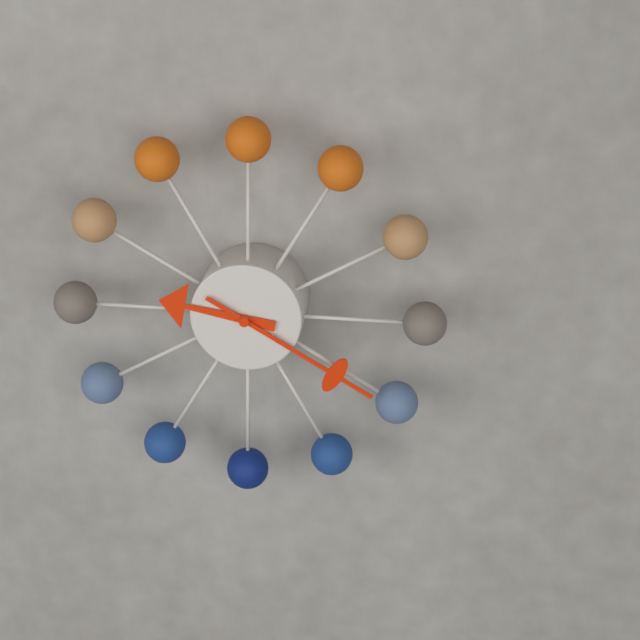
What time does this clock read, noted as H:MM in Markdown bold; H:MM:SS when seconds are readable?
**9:20**
